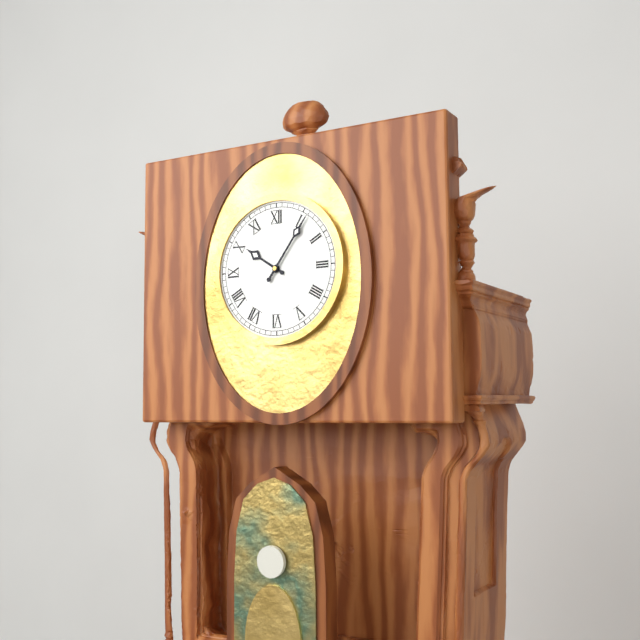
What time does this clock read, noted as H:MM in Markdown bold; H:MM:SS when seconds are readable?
**10:06**
